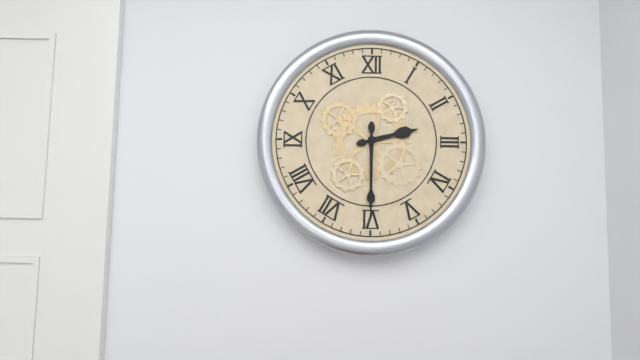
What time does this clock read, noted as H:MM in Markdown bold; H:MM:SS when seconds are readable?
**2:30**
